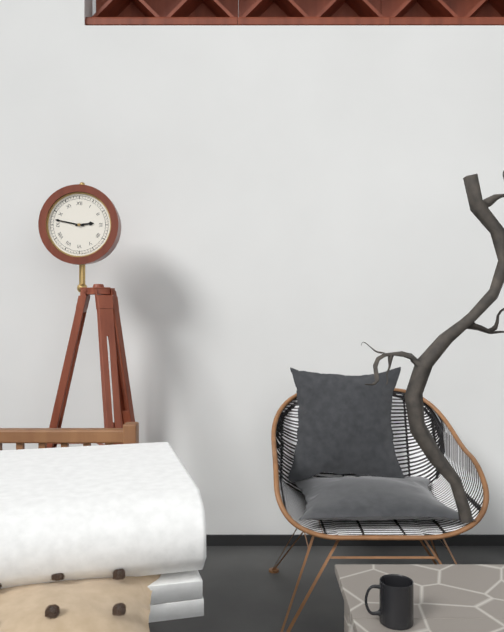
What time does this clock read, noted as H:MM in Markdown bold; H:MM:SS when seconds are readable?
**2:47**
